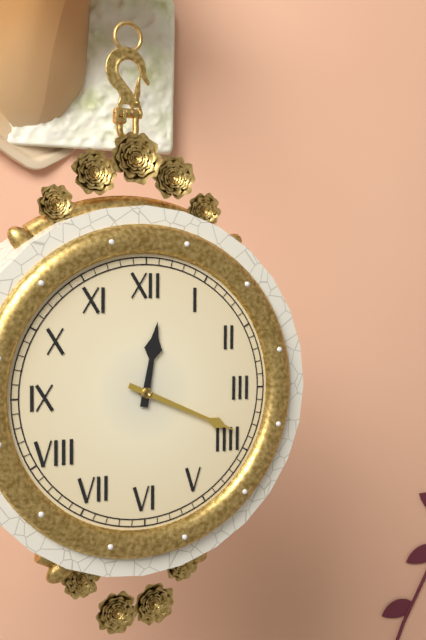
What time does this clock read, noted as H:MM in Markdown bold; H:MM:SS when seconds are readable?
**12:19**
